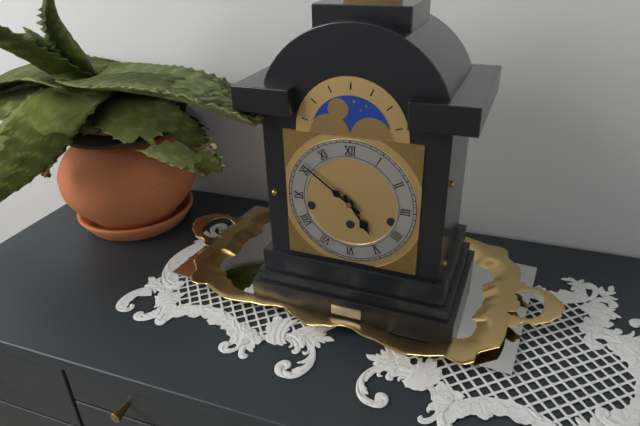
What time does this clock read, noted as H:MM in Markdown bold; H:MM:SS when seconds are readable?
**4:51**
